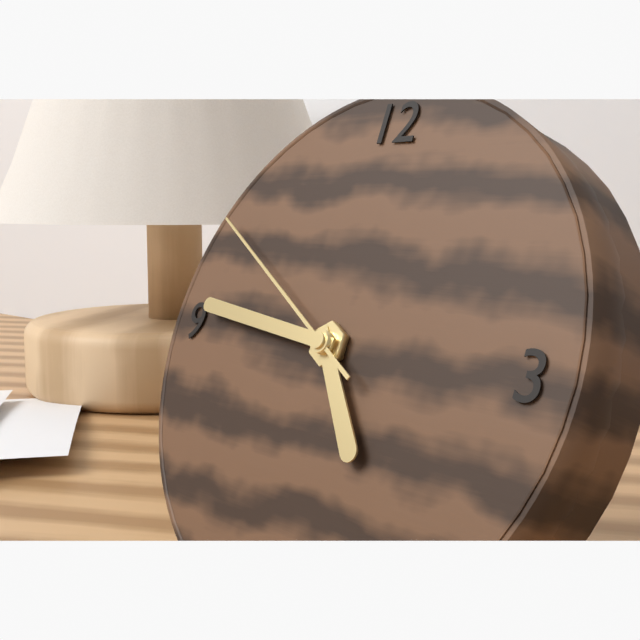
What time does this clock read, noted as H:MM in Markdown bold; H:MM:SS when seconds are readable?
**4:46:50**
